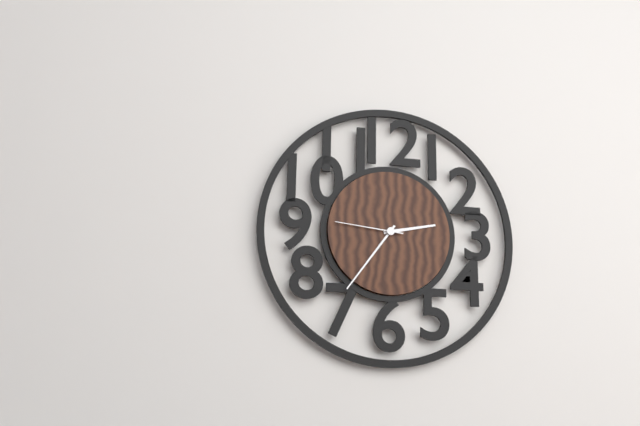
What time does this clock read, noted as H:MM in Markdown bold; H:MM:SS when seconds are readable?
**2:36:46**
